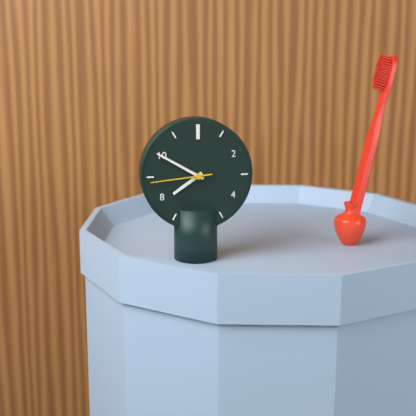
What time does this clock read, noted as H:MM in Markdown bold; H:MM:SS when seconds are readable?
**7:50:44**
